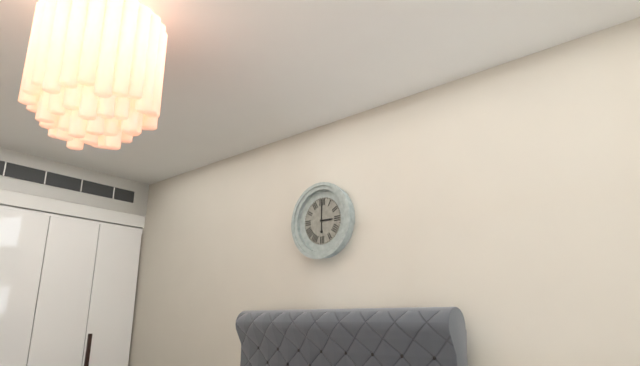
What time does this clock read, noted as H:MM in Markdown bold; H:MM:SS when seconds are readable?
**3:00**
